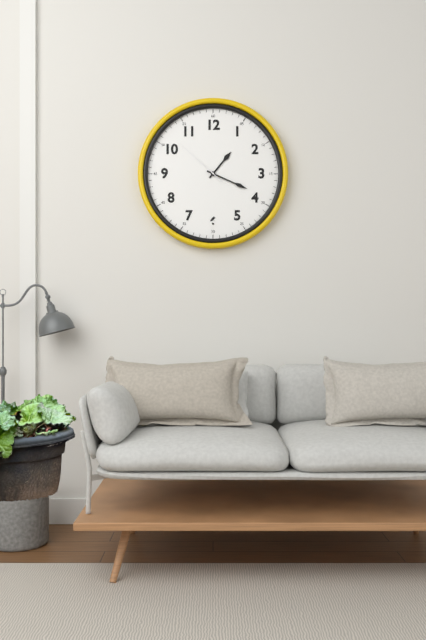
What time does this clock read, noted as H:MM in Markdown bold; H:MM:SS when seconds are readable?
**1:19:52**
